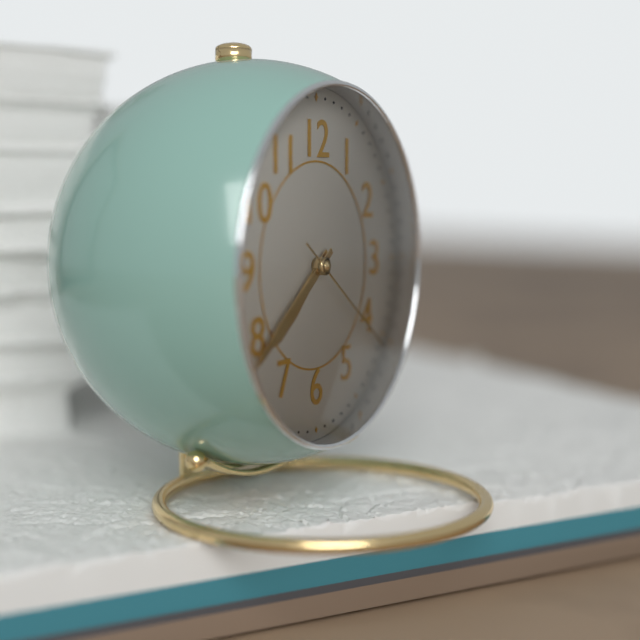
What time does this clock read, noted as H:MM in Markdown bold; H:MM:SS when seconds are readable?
**7:39:21**
